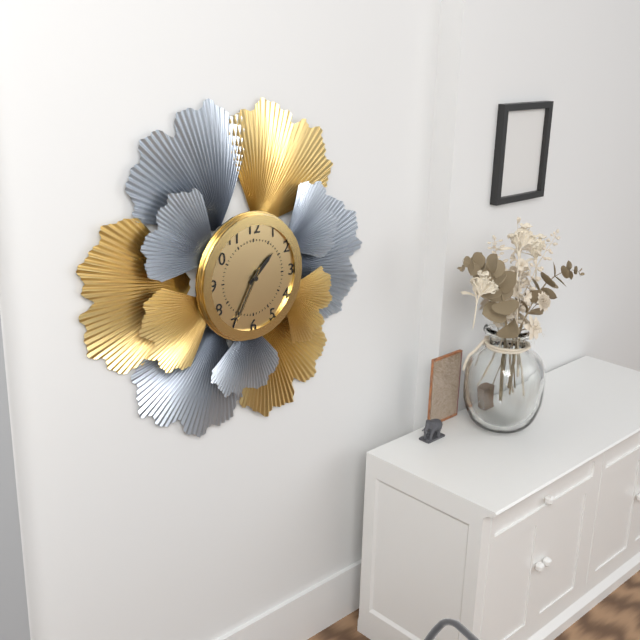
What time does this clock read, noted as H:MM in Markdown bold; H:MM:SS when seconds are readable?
**1:35:35**
